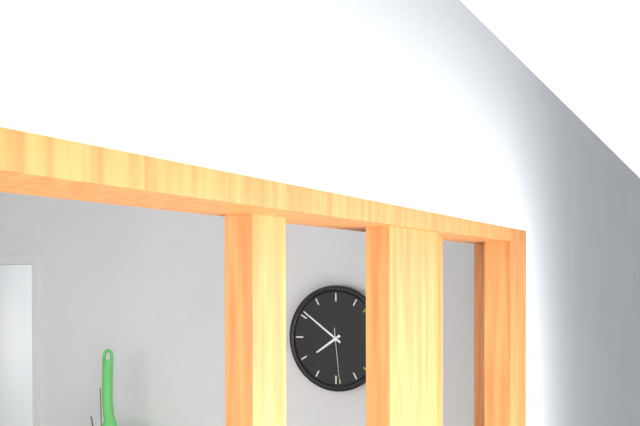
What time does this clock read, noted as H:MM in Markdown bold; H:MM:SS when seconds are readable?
**7:51:29**
